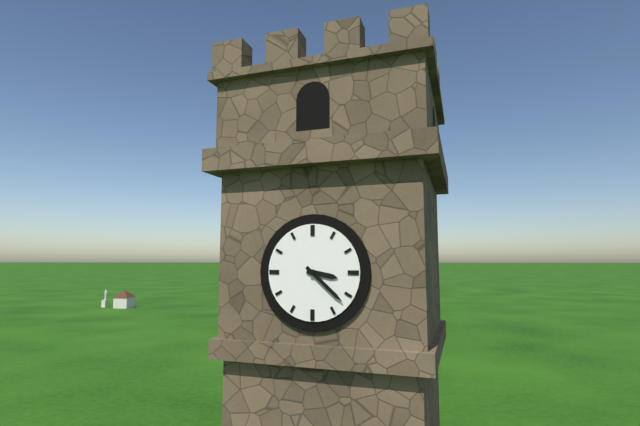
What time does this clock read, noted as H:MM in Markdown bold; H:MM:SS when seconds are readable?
**3:22**
